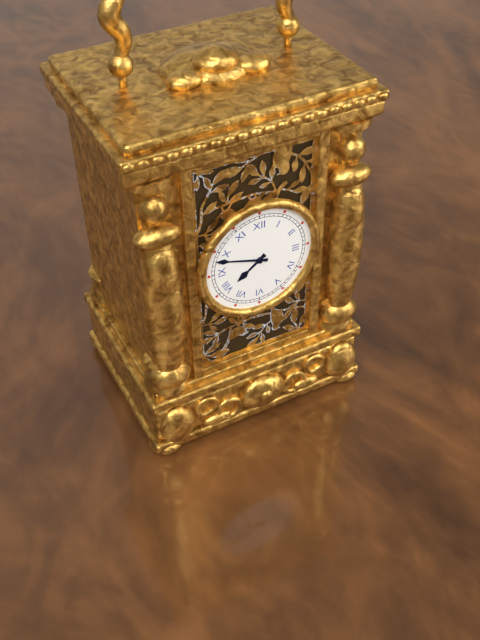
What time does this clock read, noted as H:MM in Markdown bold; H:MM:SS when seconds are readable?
**7:48**
